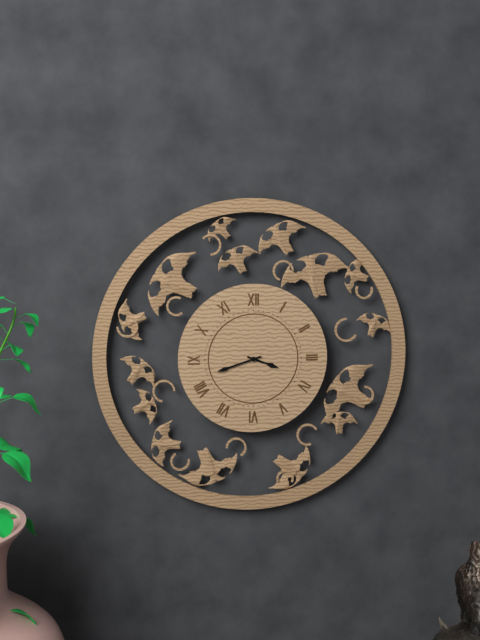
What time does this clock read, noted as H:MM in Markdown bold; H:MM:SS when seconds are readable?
**3:42**
